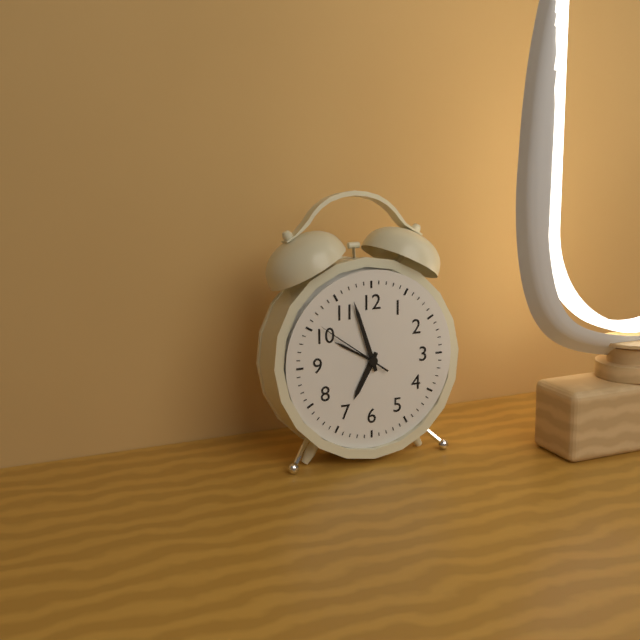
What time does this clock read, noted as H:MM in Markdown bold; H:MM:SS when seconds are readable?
**6:57:51**
